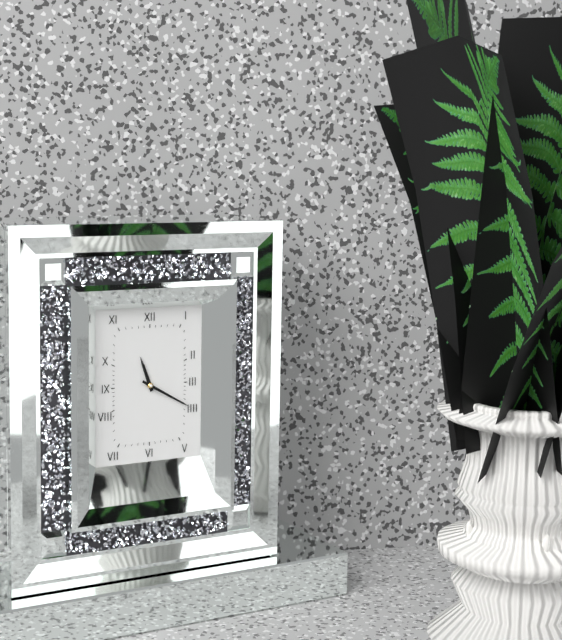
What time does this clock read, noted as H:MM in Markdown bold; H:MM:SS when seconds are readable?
**11:20**
